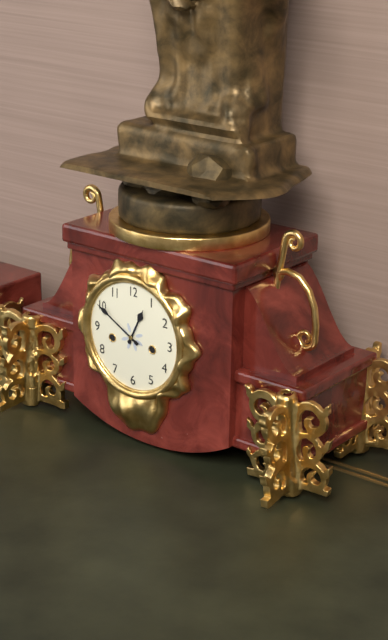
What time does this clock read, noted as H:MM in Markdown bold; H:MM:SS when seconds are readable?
**12:50**
